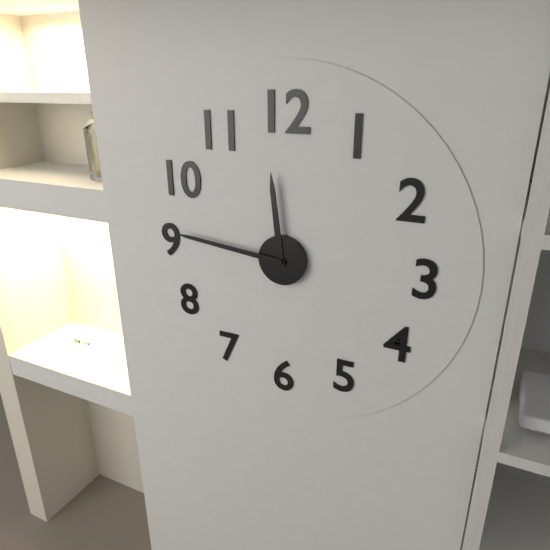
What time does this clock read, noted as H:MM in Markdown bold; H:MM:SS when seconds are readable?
**11:46**
